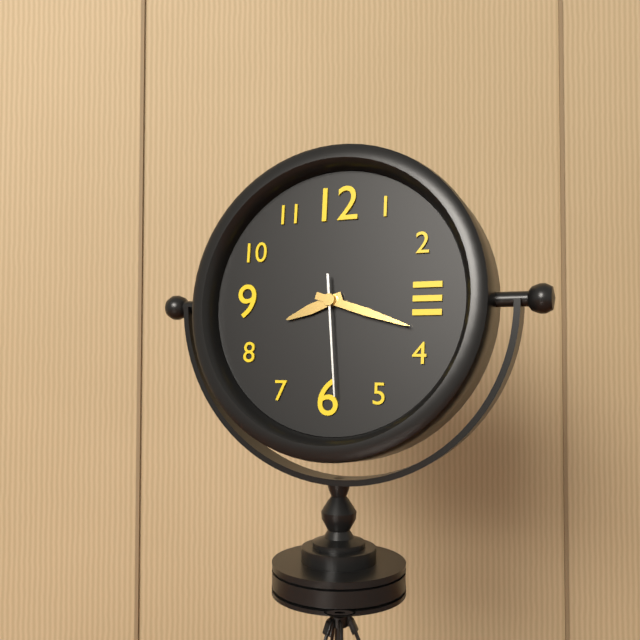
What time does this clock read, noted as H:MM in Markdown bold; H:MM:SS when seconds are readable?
**8:18:29**
